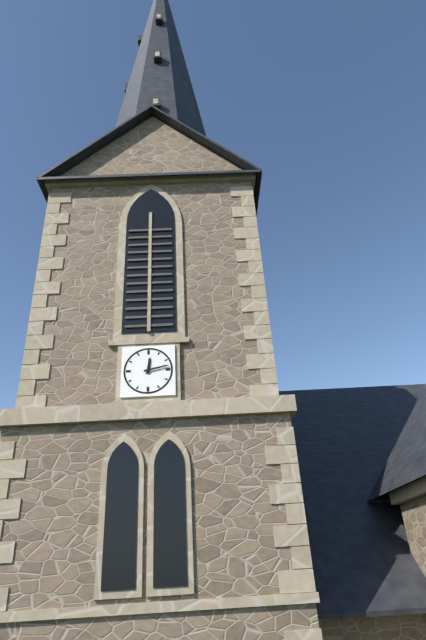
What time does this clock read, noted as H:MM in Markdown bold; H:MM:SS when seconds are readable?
**12:13**
